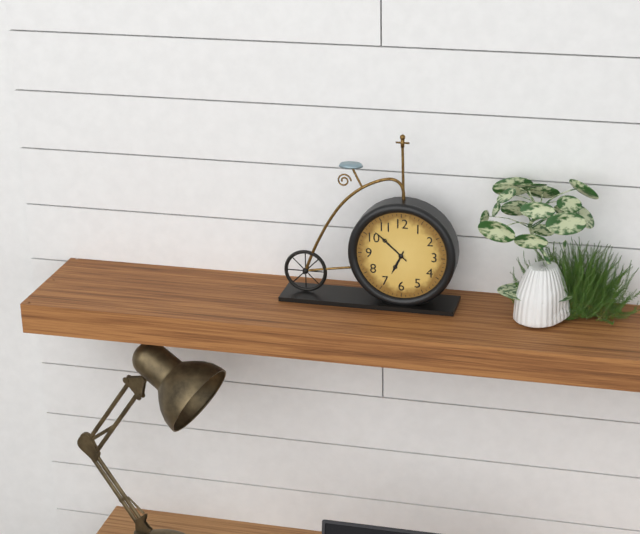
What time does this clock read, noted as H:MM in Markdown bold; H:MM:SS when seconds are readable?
**6:52**
